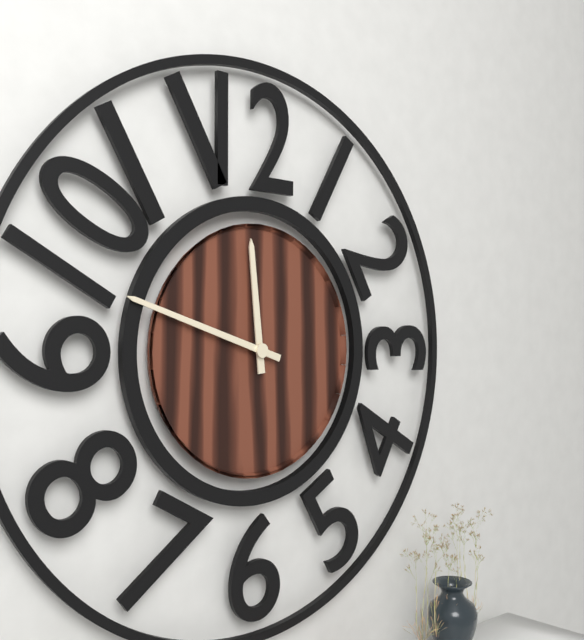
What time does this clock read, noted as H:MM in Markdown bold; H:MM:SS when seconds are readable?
**11:48**
